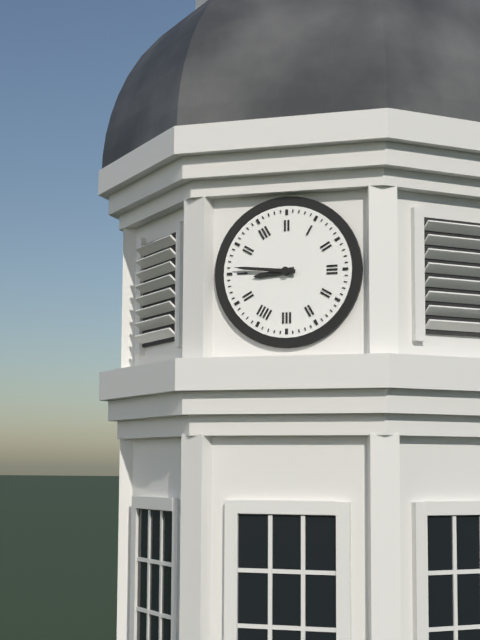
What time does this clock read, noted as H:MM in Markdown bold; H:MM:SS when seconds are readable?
**8:46**
